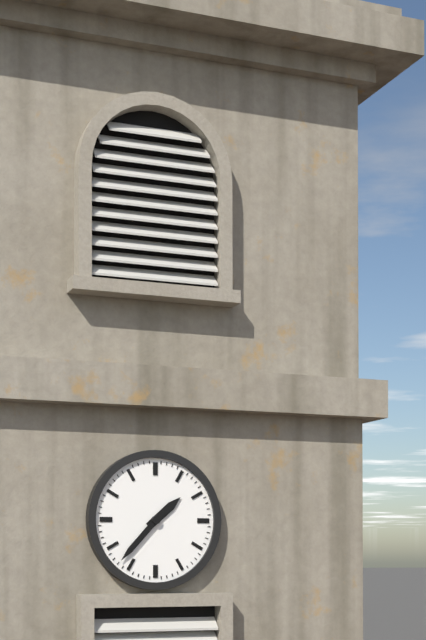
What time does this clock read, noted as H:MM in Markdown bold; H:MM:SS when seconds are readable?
**1:37**
